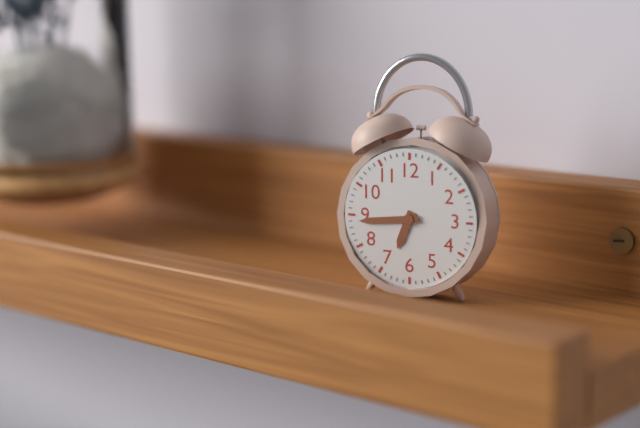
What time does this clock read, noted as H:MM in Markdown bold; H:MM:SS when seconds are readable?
**6:44**
